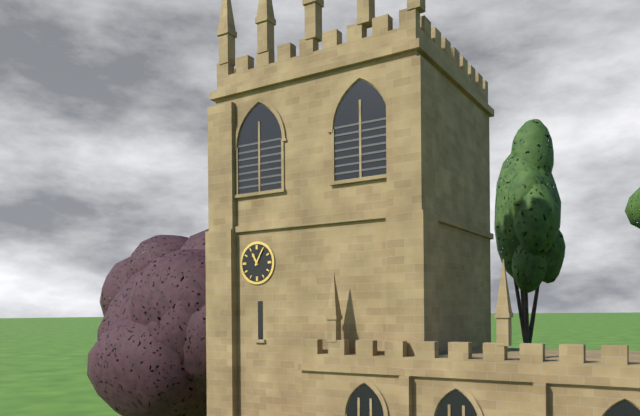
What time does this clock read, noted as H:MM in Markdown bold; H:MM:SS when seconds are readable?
**11:05**
